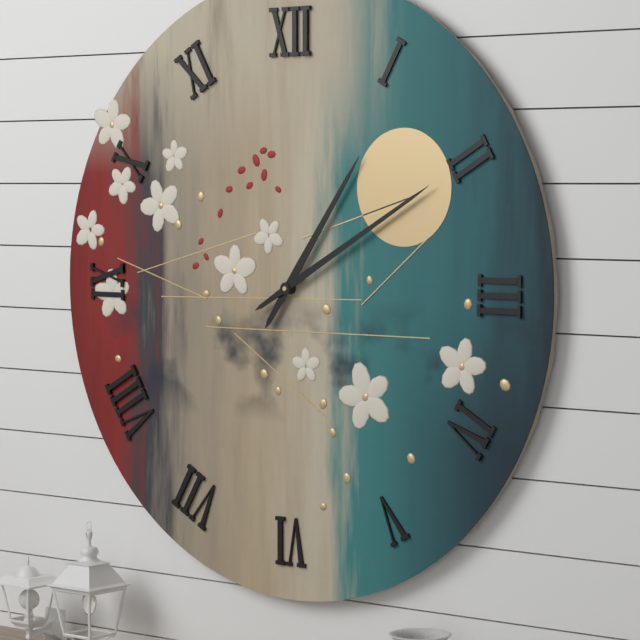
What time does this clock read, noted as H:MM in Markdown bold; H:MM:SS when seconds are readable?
**1:10**
